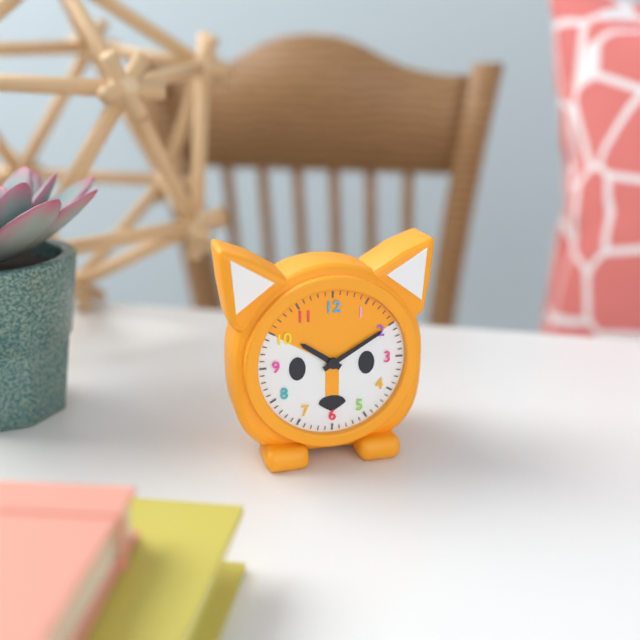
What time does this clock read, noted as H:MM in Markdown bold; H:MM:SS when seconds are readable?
**10:10**
